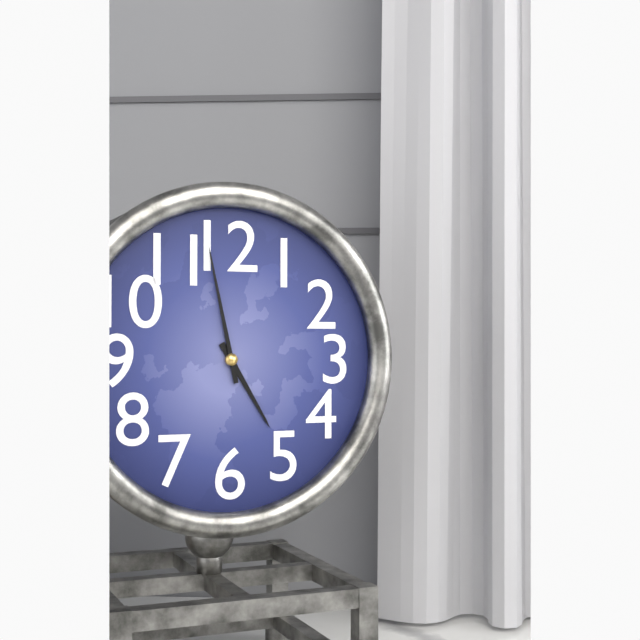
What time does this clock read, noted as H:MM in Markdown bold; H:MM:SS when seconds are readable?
**4:58**
